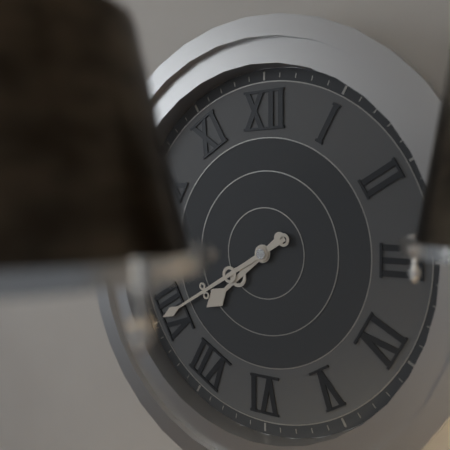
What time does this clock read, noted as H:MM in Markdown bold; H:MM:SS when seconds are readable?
**7:40**
